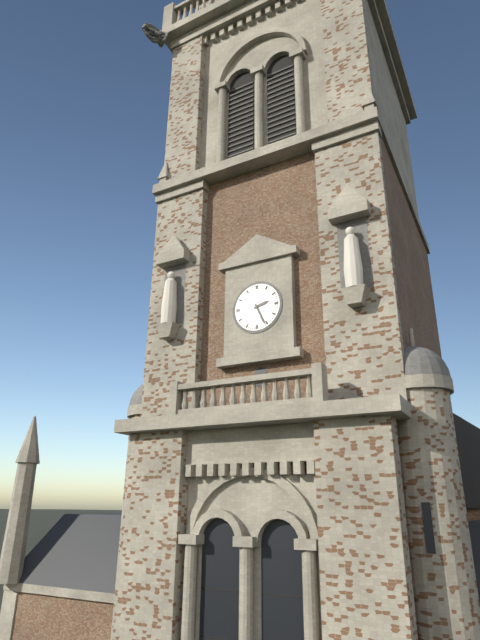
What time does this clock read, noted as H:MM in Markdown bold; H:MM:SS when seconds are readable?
**2:26**
